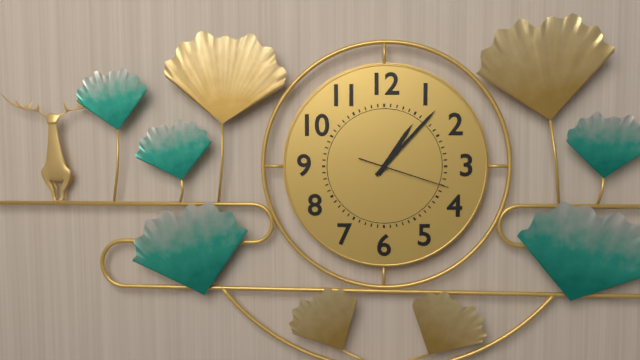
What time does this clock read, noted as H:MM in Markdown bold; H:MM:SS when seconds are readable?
**1:07:18**
